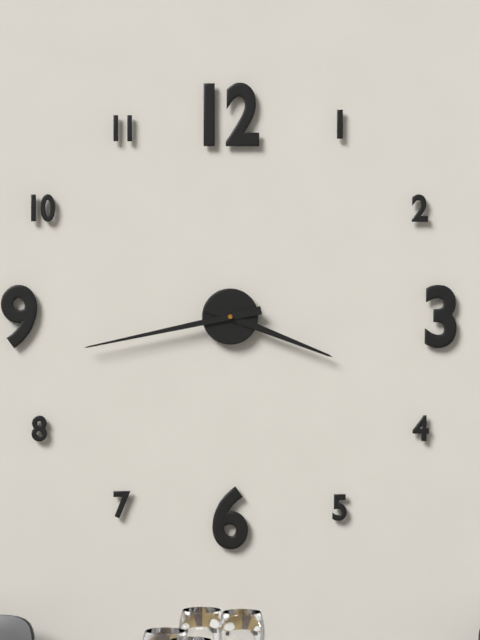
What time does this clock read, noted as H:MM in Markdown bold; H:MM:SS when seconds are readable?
**3:43**
